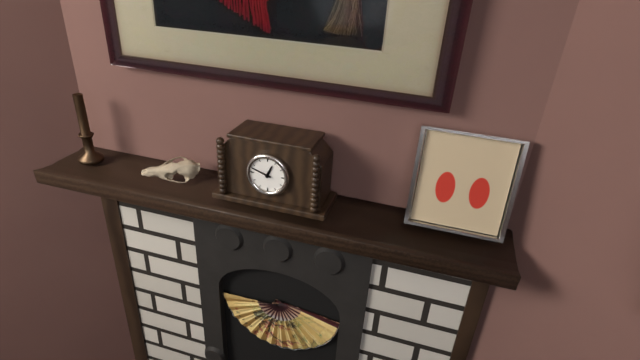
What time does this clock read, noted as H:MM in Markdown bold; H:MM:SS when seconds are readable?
**12:48**
